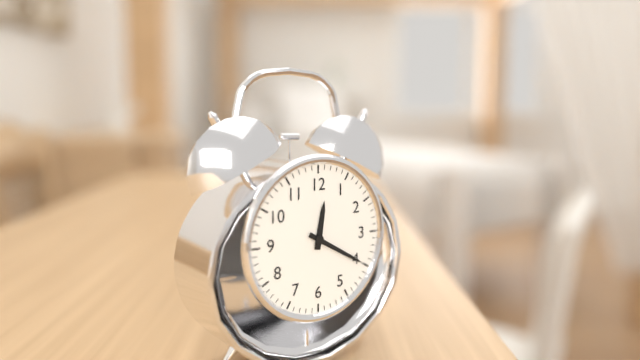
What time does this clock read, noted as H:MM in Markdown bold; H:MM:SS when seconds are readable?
**12:20**
